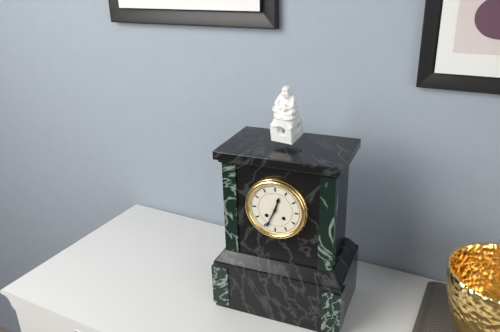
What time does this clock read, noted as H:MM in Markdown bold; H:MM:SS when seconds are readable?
**12:34**
